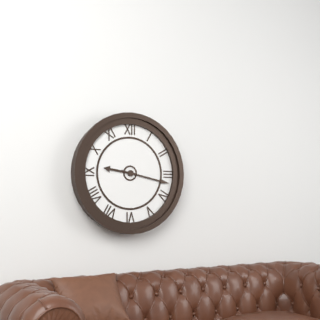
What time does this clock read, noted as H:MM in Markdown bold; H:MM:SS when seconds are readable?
**9:17**
